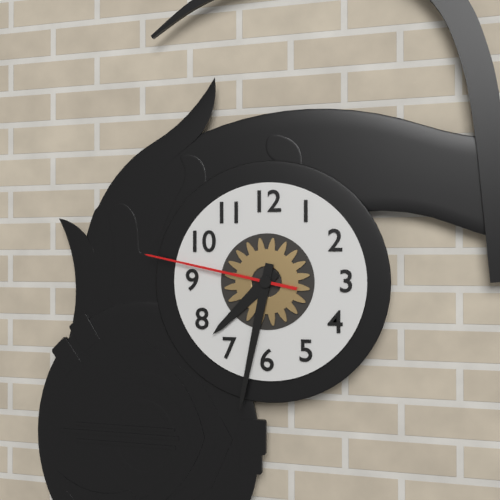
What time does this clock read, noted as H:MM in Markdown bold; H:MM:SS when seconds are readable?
**7:32:47**
